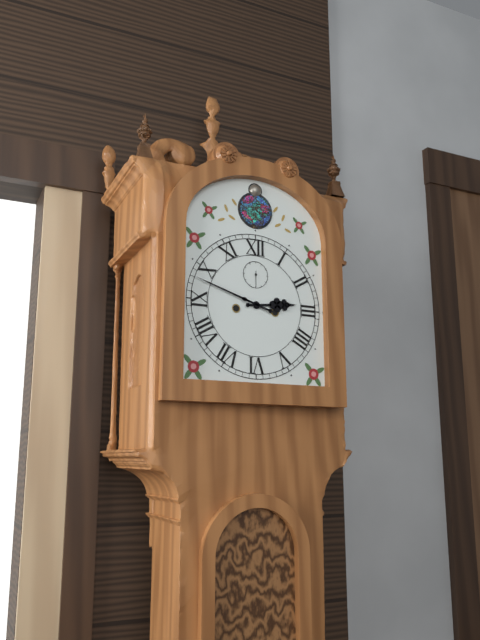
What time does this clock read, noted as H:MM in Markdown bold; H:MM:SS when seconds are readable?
**2:48**
